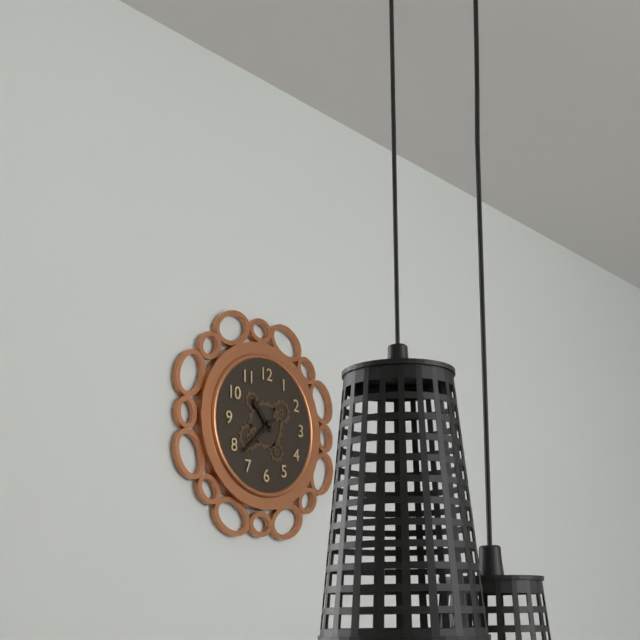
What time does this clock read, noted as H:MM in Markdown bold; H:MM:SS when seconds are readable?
**10:38**
